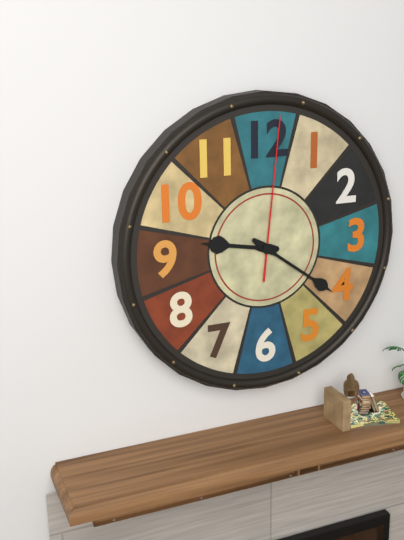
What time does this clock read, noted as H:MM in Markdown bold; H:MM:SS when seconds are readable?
**9:21:01**
